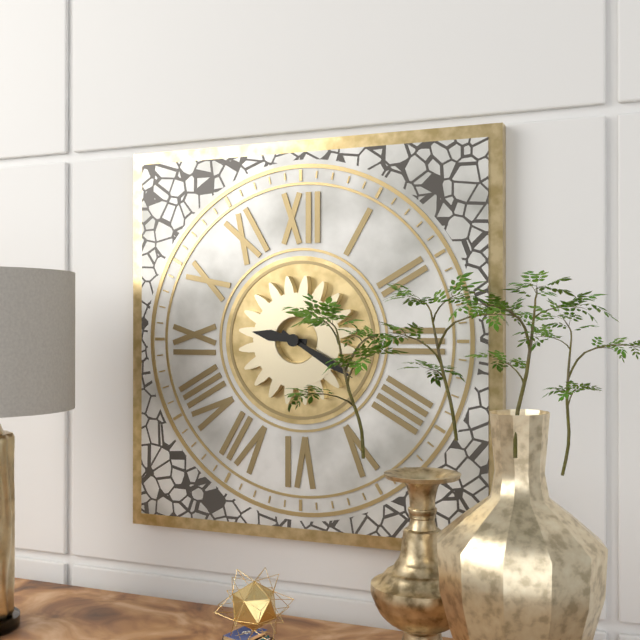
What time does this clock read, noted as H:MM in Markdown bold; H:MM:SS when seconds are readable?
**9:20**
